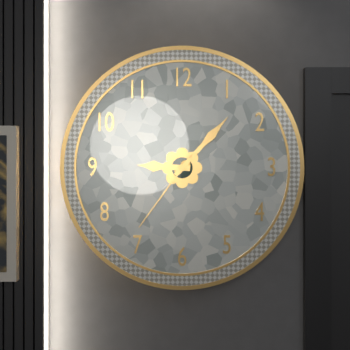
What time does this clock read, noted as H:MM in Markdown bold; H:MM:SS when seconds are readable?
**9:07:36**
